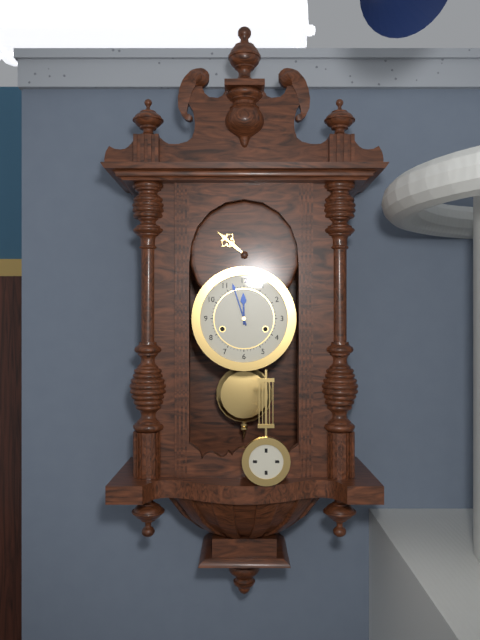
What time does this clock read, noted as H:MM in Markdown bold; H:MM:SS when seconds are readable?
**11:57**
